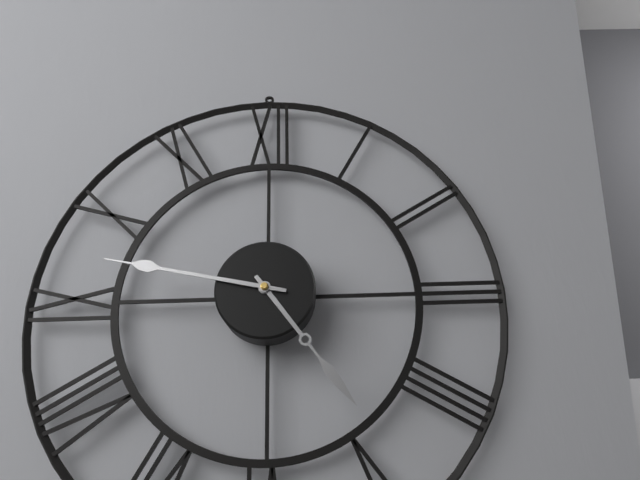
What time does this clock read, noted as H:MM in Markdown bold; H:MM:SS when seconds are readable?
**4:47**
